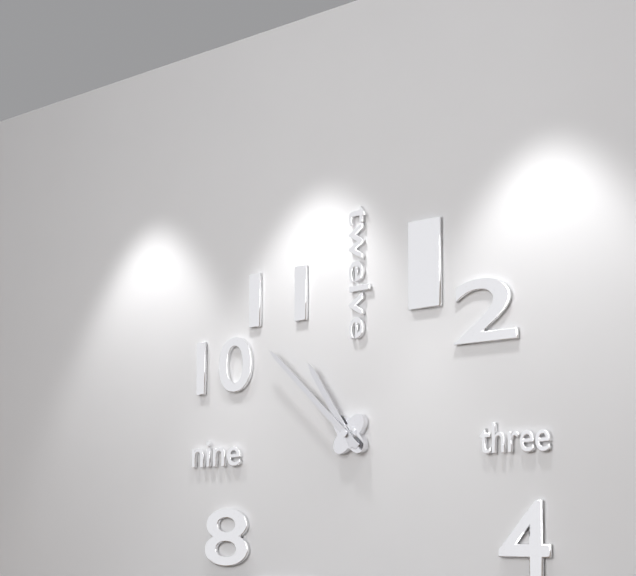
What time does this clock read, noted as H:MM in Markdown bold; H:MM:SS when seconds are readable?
**10:52**
